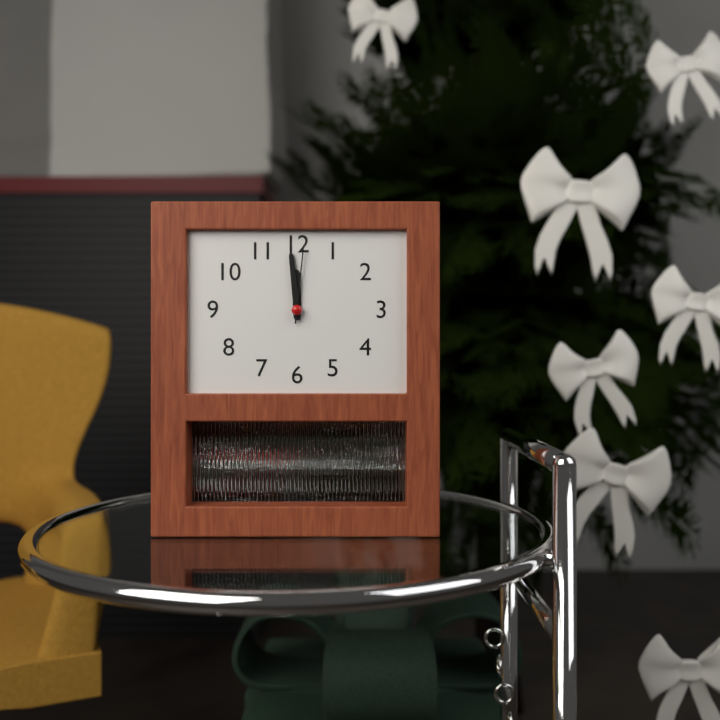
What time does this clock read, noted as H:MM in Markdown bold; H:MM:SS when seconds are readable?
**11:59:01**
